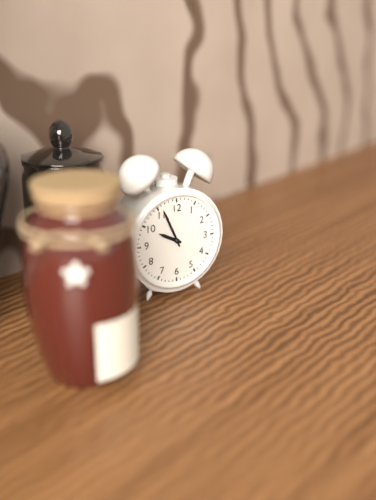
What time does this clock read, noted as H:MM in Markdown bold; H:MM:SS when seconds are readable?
**9:56**
